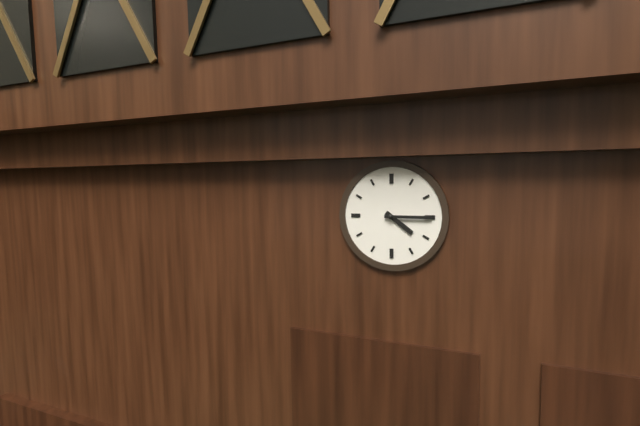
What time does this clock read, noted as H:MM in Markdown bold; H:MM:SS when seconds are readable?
**4:15**
